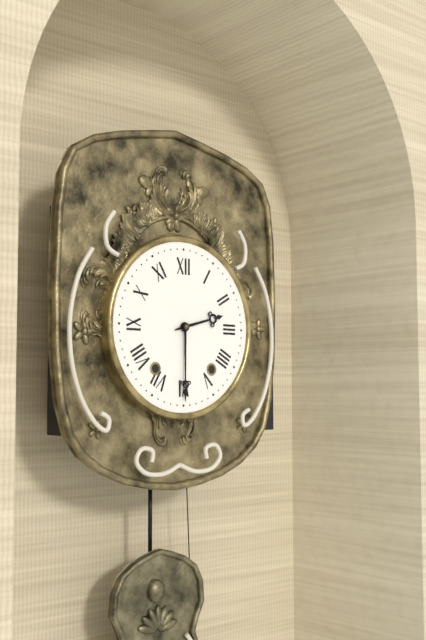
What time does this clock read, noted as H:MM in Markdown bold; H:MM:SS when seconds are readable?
**2:30**
